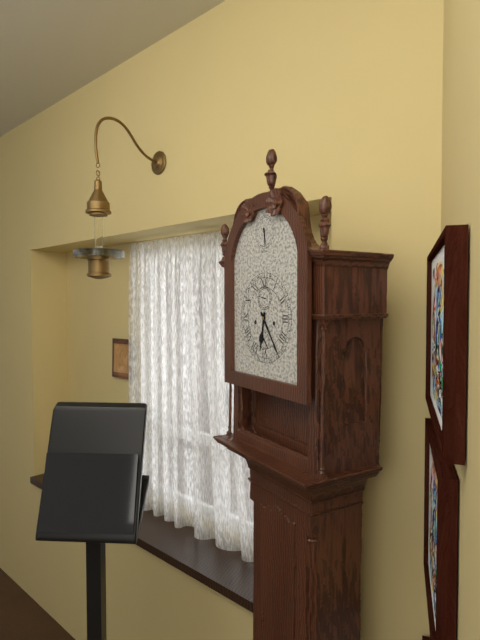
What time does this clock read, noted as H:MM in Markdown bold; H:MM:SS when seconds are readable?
**6:24**
